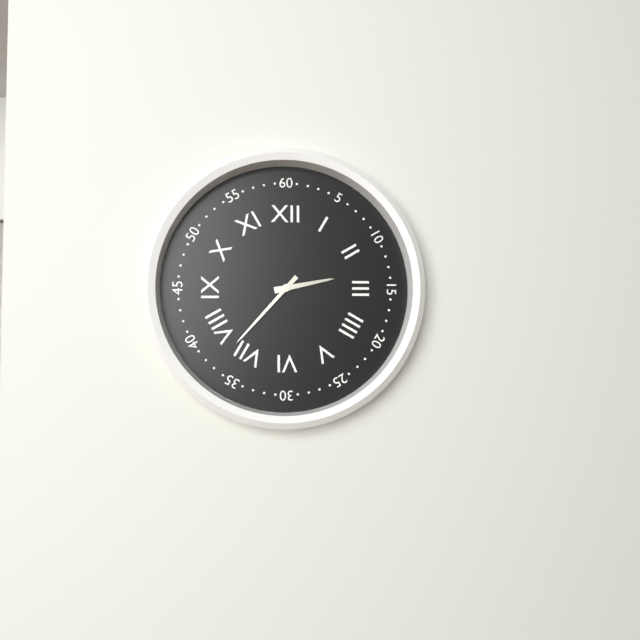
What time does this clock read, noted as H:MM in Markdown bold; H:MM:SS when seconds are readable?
**2:37**
